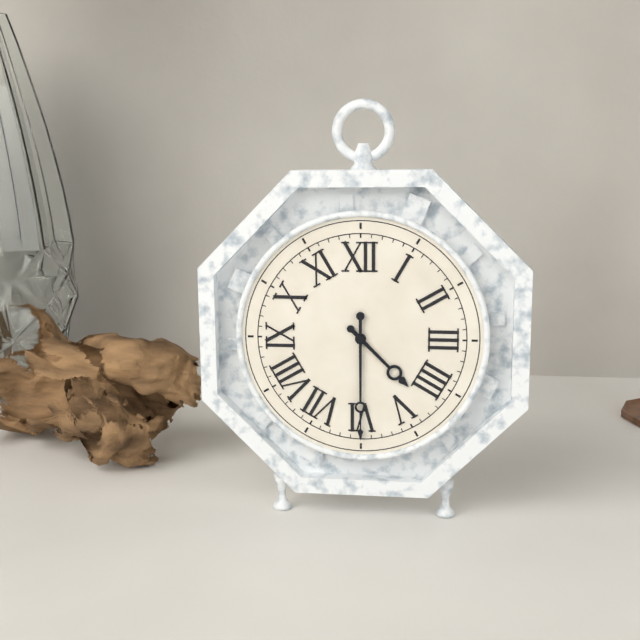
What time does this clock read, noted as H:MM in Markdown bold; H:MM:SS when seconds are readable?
**4:30**
